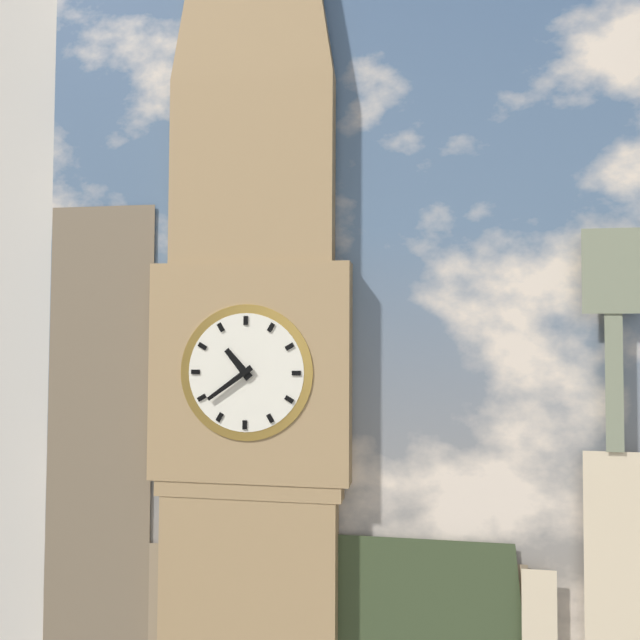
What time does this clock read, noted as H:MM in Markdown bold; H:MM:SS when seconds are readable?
**10:39**
